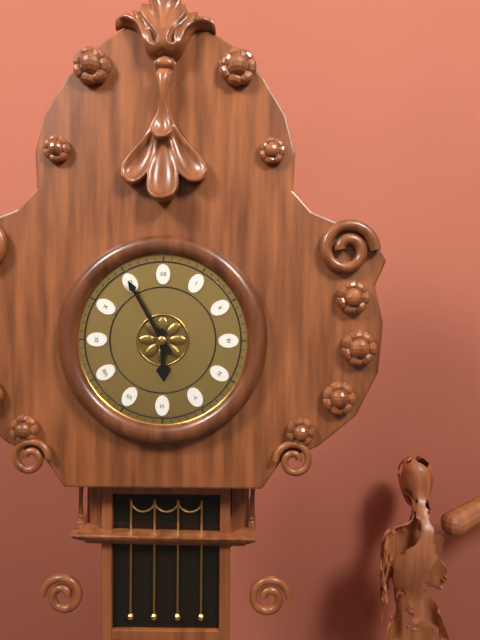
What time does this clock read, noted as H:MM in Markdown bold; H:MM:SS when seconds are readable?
**5:55**
